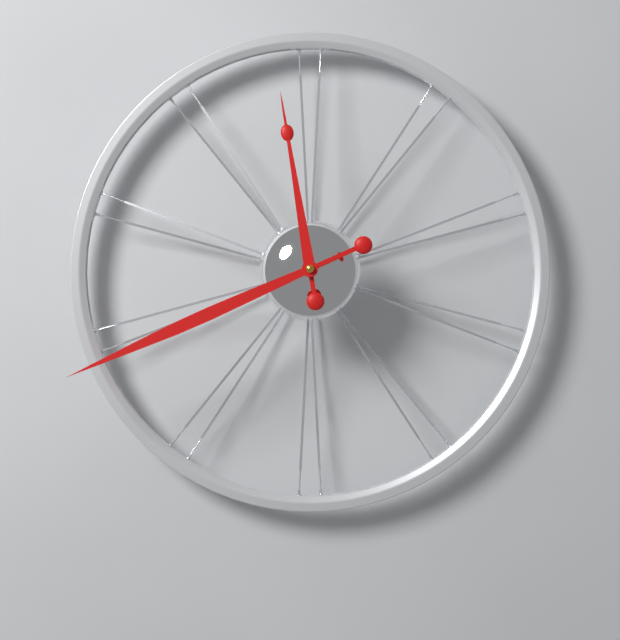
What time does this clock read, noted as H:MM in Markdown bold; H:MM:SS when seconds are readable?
**11:41**
